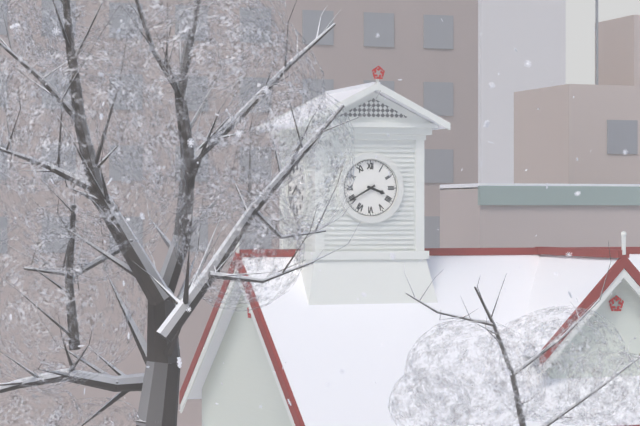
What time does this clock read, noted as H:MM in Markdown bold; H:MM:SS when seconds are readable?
**3:40**
